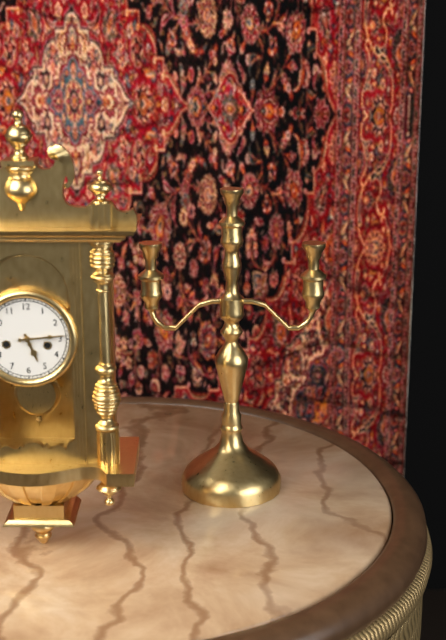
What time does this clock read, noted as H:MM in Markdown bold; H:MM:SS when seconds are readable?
**5:14**
